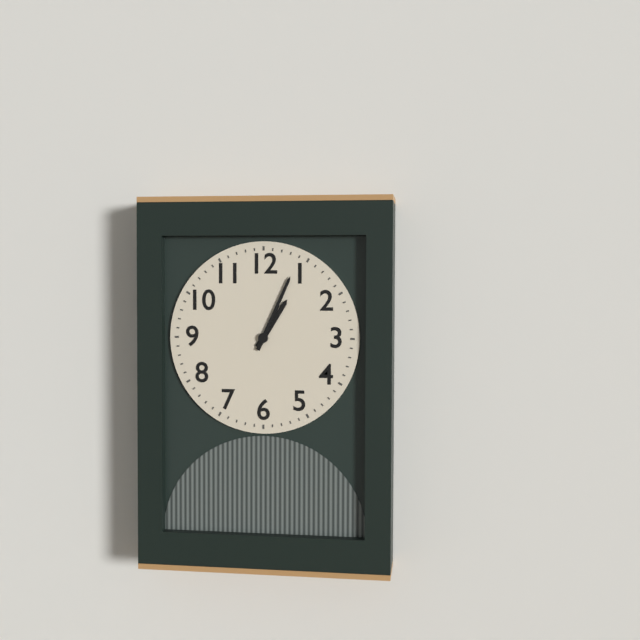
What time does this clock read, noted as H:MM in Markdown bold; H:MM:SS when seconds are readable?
**1:04**
